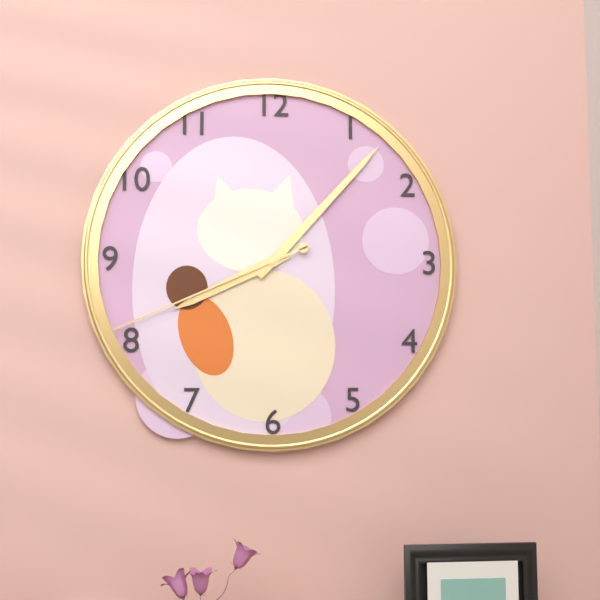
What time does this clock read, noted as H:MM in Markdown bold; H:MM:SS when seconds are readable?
**8:07:41**
